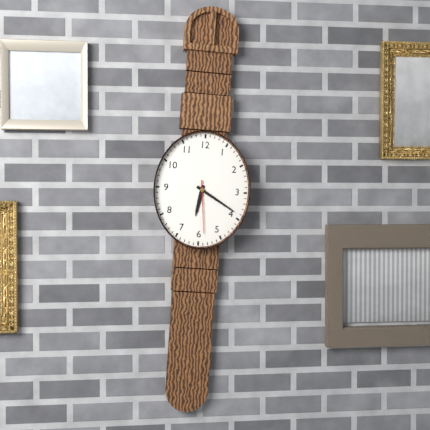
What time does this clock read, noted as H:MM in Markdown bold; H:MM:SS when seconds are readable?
**6:20:29**
